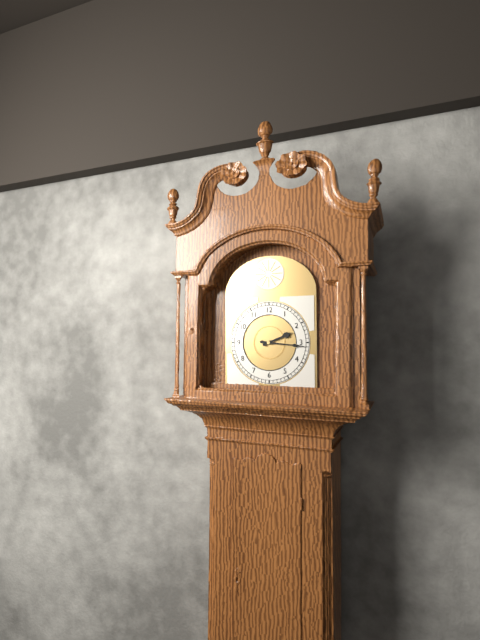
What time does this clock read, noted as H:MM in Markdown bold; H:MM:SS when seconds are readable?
**2:16**
